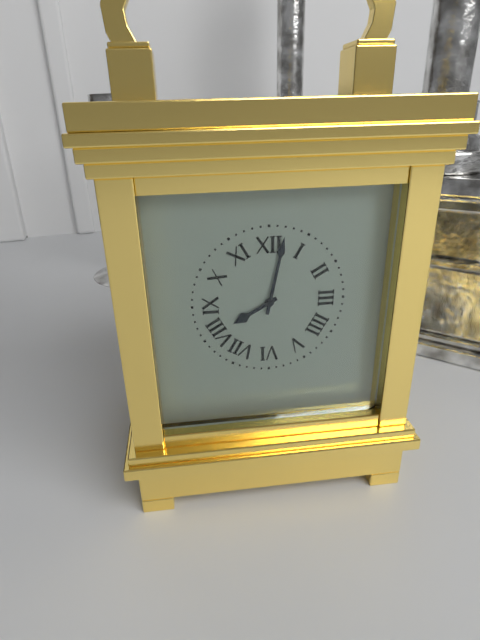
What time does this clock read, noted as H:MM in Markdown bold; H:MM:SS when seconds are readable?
**8:02**
